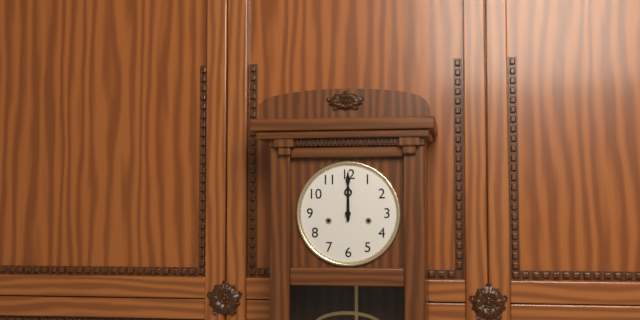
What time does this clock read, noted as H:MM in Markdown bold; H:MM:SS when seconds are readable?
**12:00**
